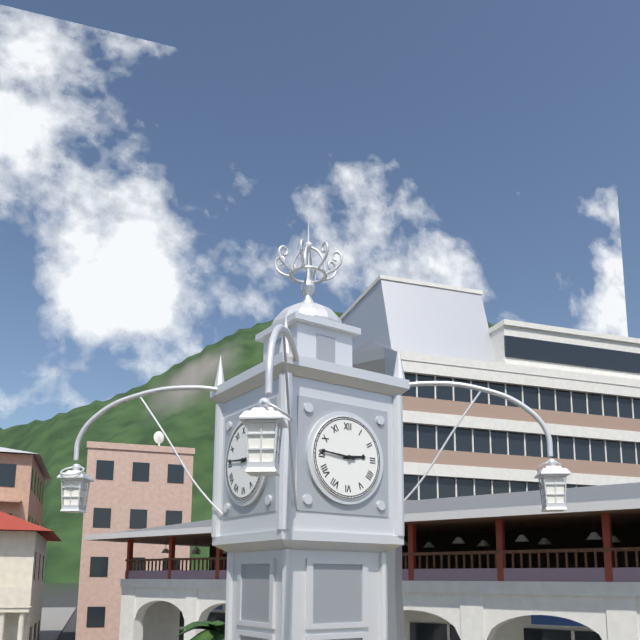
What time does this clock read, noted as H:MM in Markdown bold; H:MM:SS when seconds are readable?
**2:46**
